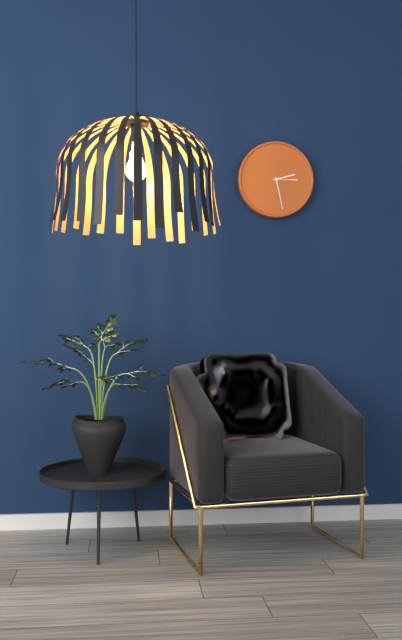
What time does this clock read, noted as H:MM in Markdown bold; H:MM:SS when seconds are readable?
**2:28**
